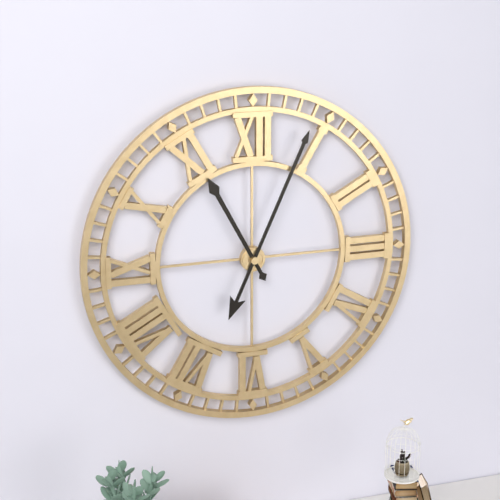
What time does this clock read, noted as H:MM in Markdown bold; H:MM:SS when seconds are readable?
**11:04**
